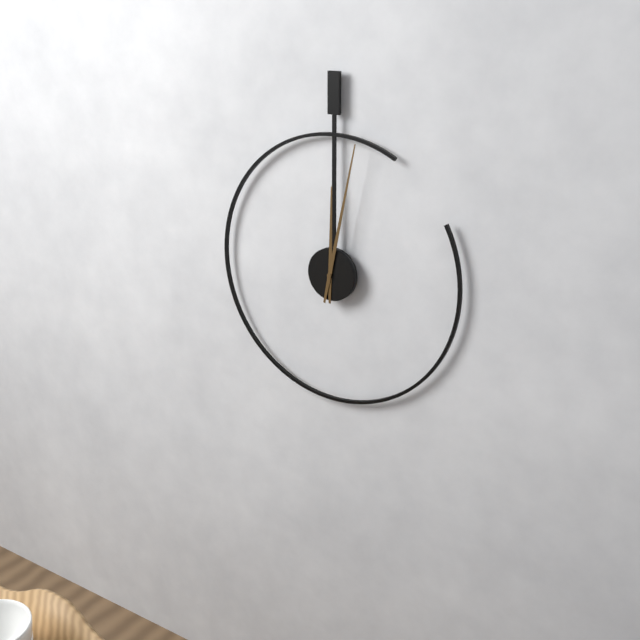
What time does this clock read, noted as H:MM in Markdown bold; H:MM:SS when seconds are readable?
**12:02**
